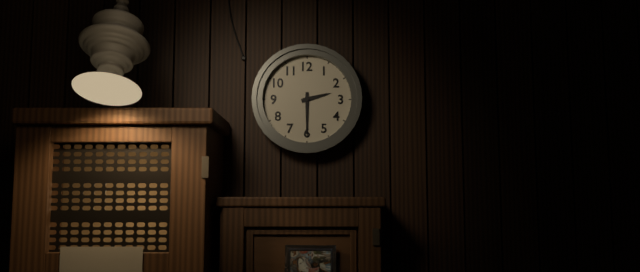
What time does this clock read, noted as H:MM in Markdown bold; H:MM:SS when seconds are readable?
**2:30**
